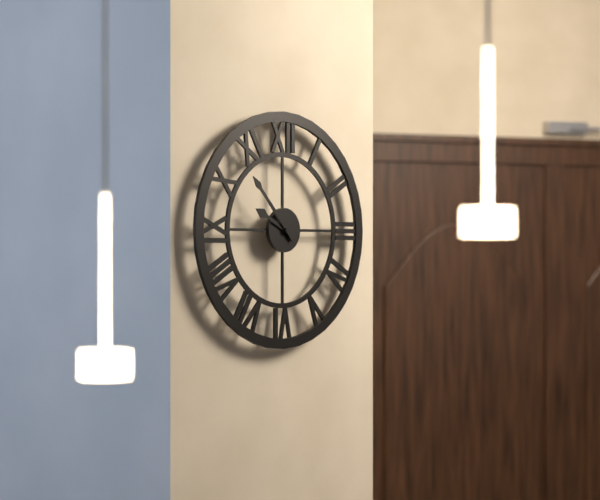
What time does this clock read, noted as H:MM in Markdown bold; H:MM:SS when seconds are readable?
**9:53**
